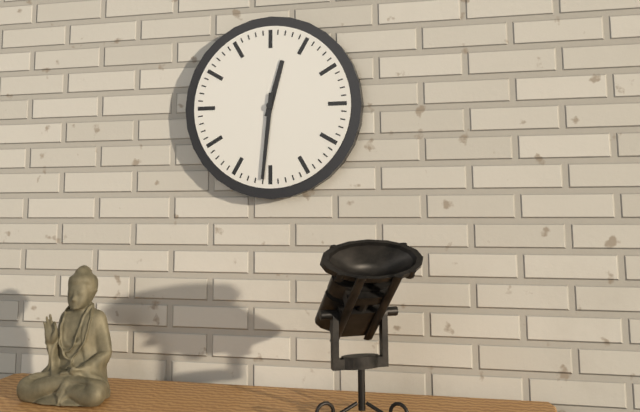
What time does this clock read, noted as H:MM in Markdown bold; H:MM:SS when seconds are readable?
**12:31**
